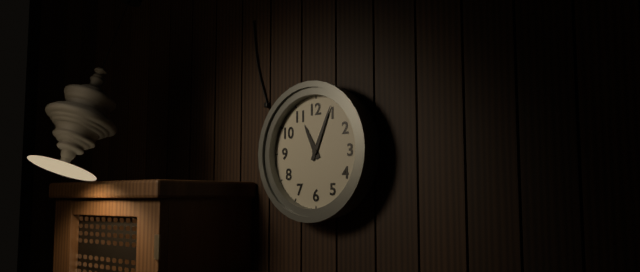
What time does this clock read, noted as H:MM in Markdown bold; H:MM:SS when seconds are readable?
**11:04**
